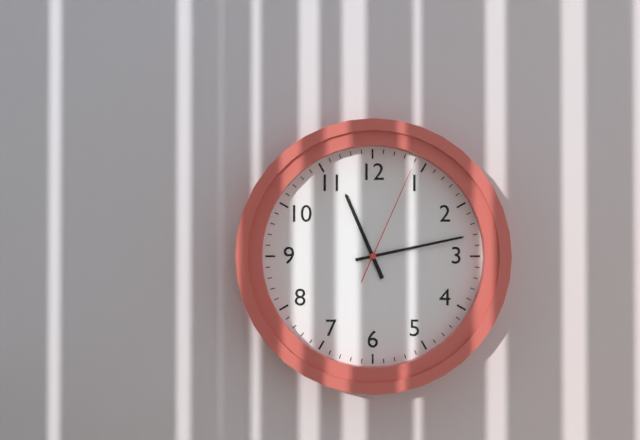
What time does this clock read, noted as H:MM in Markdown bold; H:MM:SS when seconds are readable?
**11:13:04**
